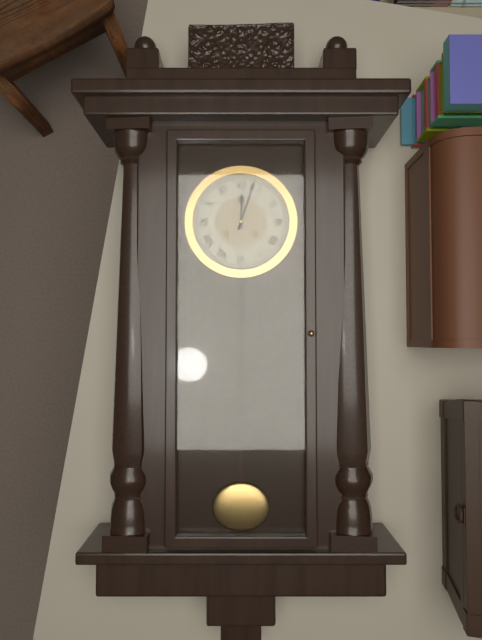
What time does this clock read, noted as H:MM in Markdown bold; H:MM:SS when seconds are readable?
**12:03**
